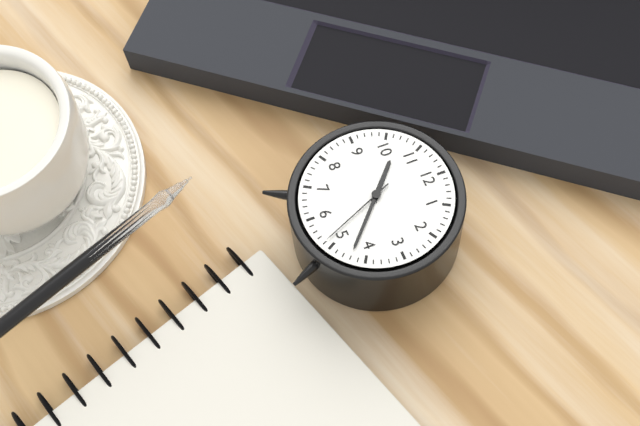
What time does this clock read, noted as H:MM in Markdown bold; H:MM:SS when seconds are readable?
**10:22:26**
